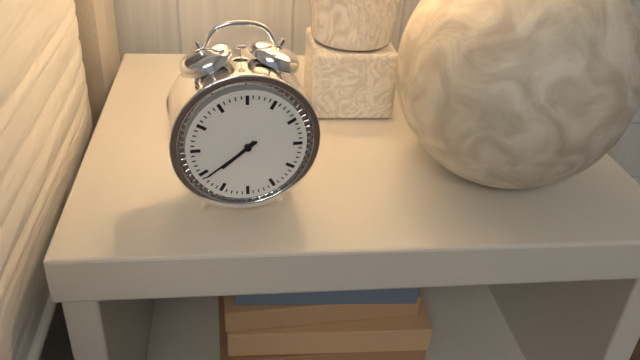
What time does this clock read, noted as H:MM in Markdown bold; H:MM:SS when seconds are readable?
**7:39**
